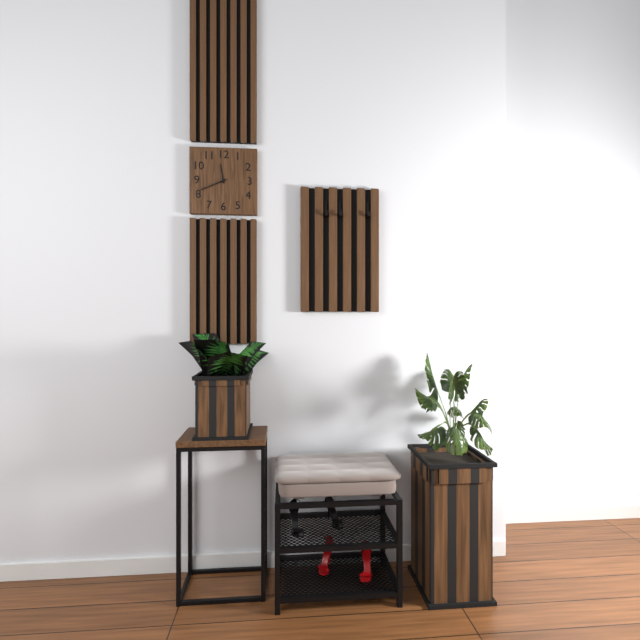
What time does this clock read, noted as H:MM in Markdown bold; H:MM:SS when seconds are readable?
**11:41**
